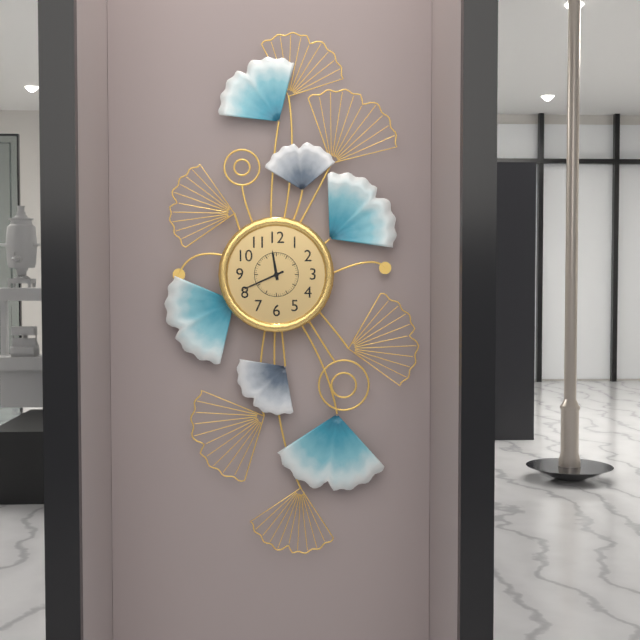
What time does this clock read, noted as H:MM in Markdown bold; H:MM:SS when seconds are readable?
**11:41**
